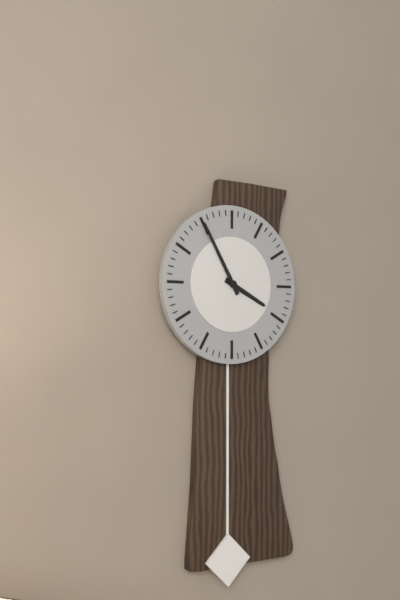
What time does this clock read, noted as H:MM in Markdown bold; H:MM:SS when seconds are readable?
**3:55**
